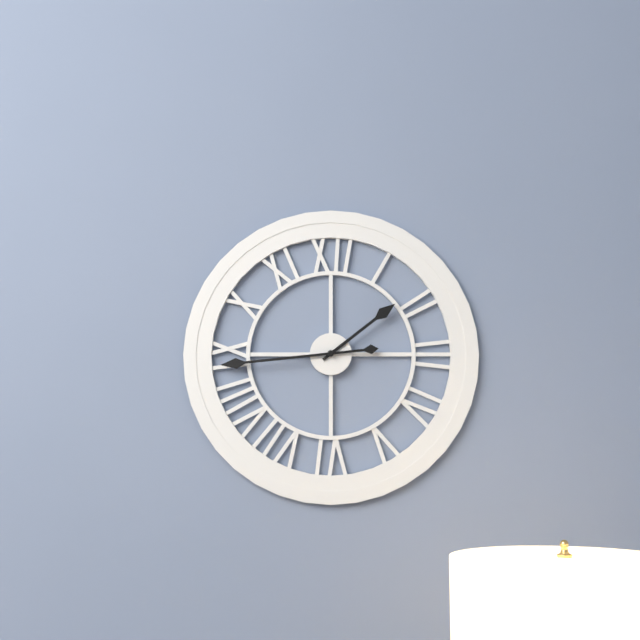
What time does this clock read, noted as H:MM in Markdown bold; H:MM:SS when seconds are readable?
**1:44**
